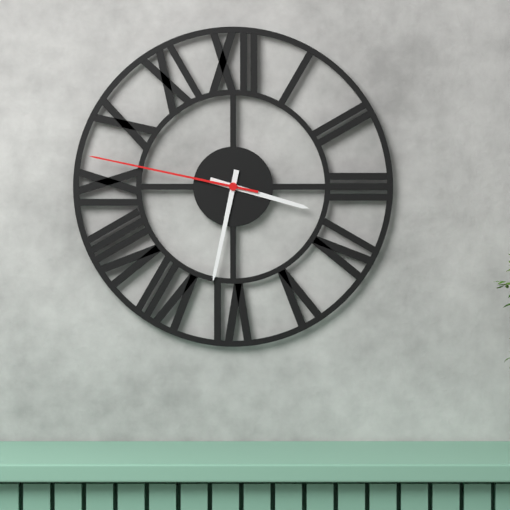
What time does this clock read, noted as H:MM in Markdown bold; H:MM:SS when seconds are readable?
**3:32:47**
